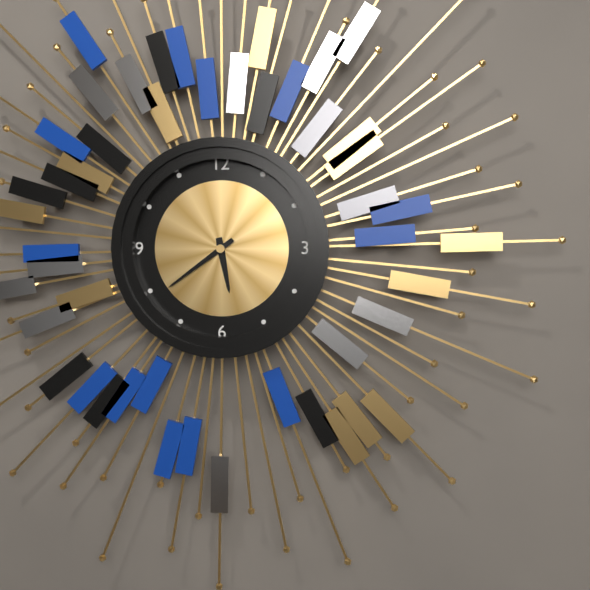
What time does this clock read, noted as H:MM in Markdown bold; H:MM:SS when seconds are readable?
**5:39**
